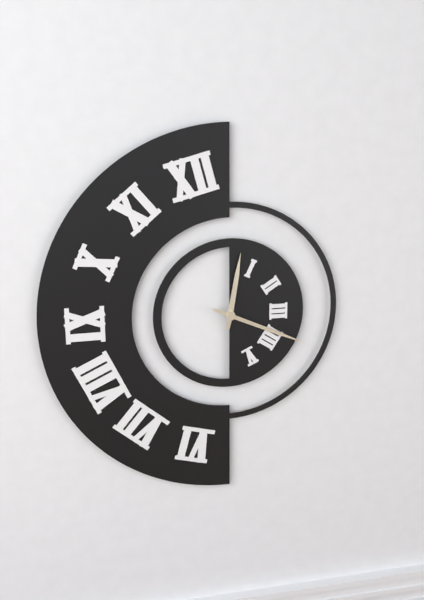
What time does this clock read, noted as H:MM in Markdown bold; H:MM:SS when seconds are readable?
**12:19**
